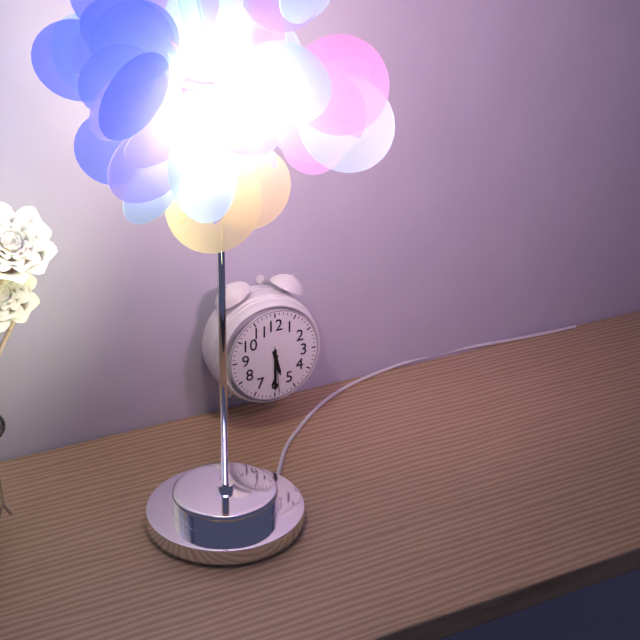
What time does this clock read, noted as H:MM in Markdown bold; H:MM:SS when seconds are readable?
**5:30**
